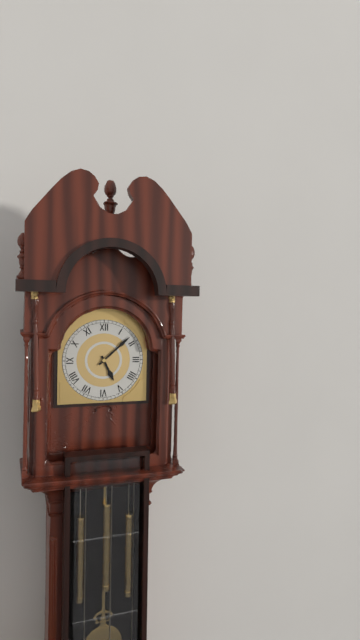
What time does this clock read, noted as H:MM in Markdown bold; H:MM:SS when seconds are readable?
**5:08**
